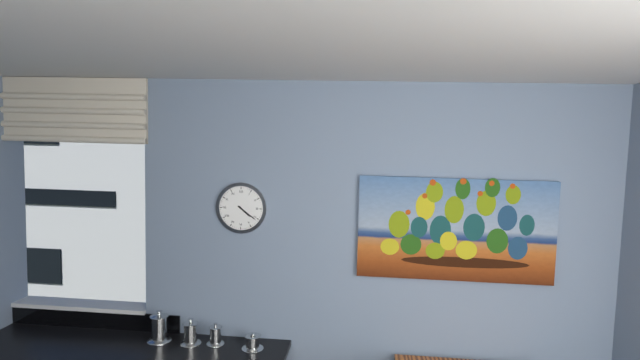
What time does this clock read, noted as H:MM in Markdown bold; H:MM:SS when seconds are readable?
**4:21**
